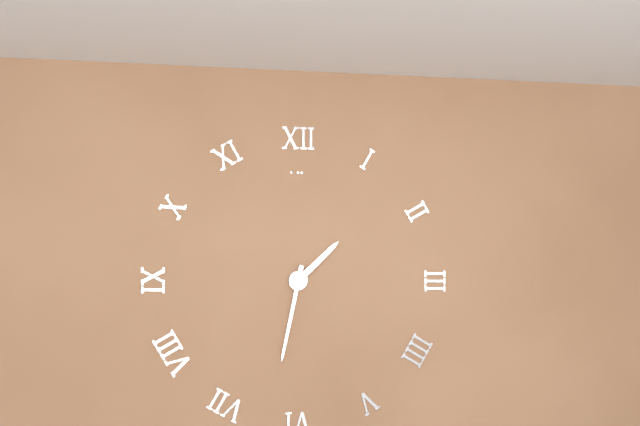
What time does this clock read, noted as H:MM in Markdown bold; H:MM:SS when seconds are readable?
**1:32**
